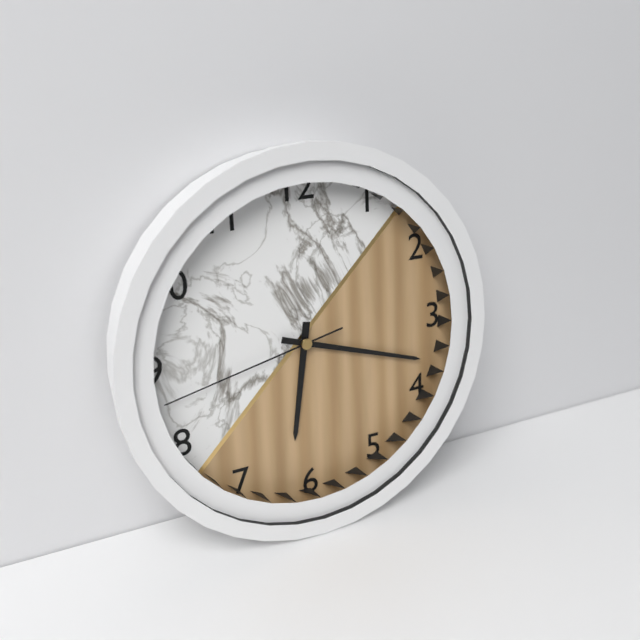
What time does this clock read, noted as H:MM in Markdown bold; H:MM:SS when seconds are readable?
**6:18:43**
